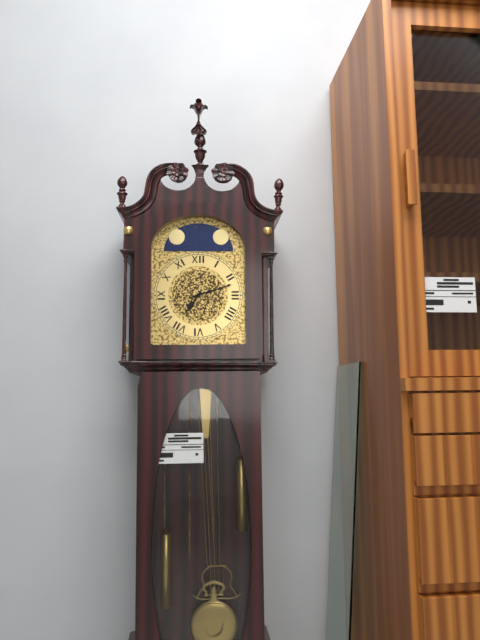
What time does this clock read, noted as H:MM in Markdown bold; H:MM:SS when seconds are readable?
**7:12**
